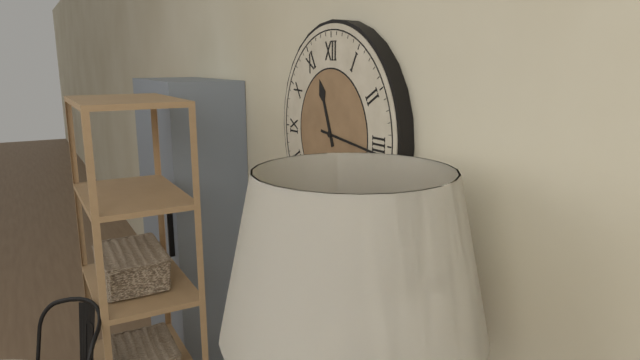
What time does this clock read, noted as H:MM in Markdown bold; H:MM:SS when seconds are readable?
**11:16**
